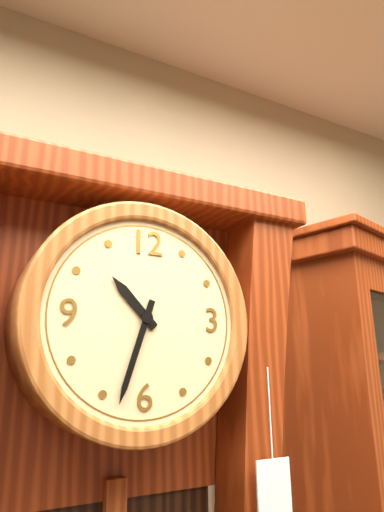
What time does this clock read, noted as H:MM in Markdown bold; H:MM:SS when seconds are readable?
**10:33**
